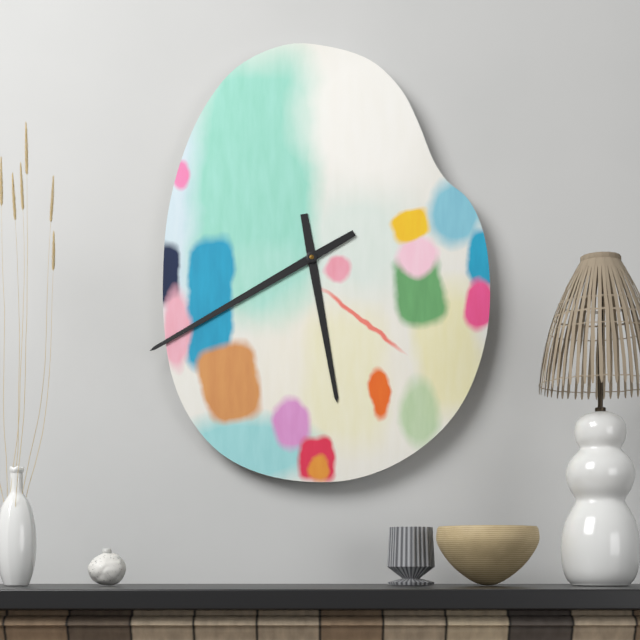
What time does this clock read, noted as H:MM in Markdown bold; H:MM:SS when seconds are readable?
**5:40**
